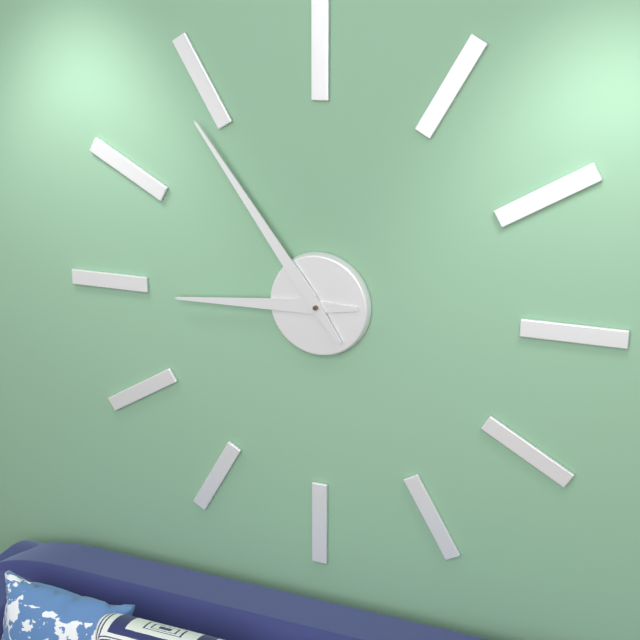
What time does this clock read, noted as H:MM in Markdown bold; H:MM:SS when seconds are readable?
**8:54**
